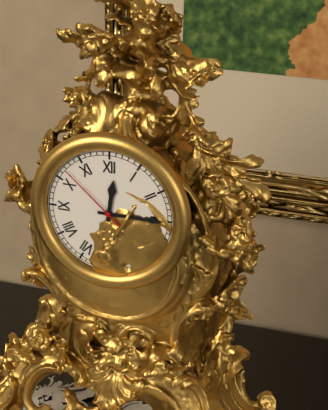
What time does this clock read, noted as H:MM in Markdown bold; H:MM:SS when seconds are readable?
**12:15:52**
